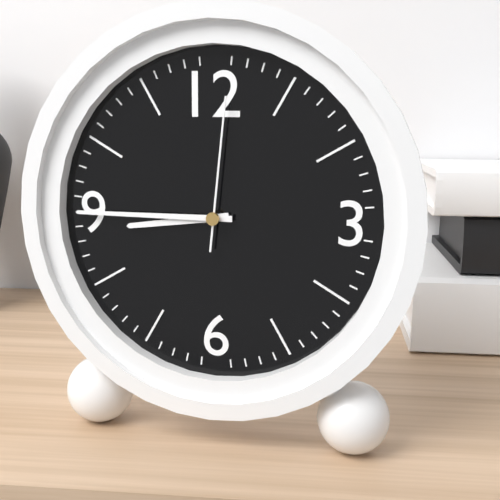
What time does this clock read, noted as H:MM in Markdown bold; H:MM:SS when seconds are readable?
**8:45:01**
